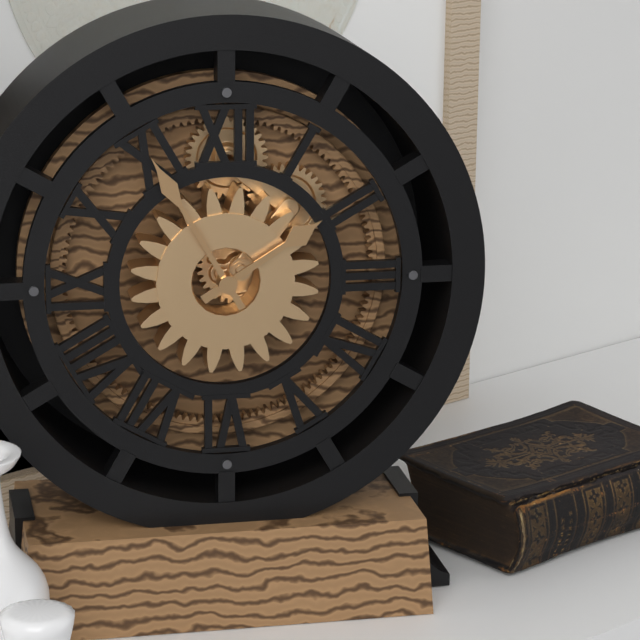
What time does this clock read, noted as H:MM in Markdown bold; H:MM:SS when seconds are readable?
**1:55**
